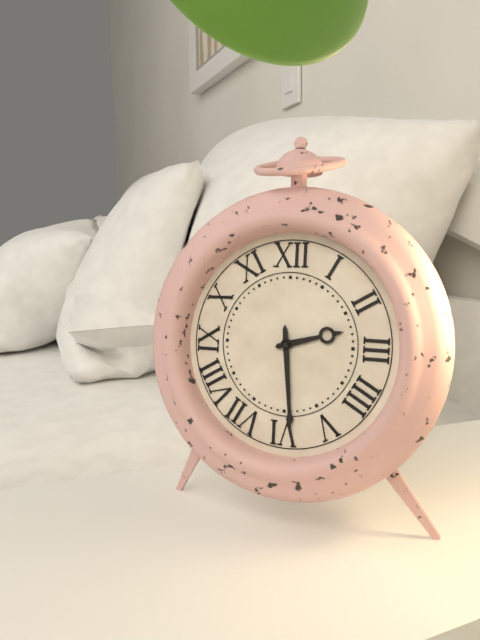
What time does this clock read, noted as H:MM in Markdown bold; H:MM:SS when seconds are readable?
**2:29**
